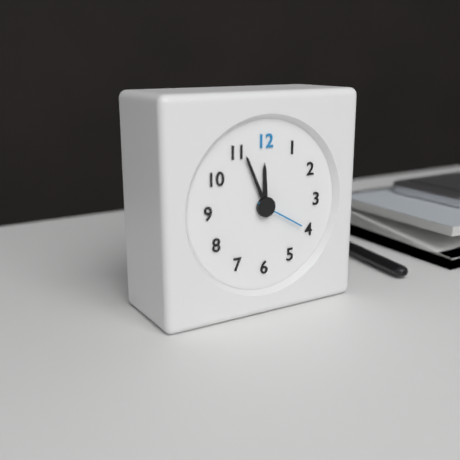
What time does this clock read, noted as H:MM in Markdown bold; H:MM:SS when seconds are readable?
**11:56:20**
